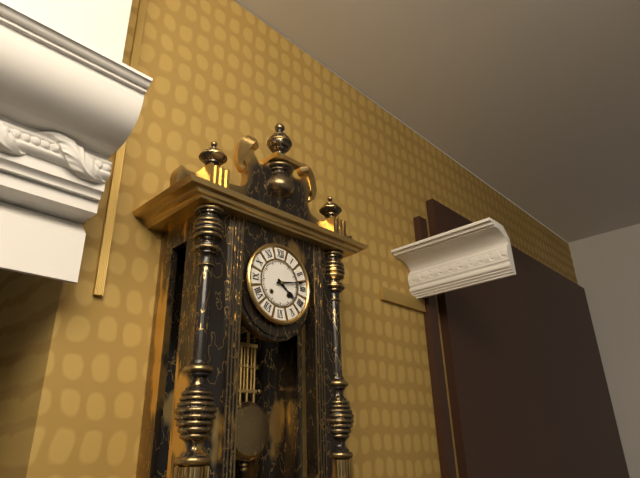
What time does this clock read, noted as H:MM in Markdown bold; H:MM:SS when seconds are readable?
**4:13**
